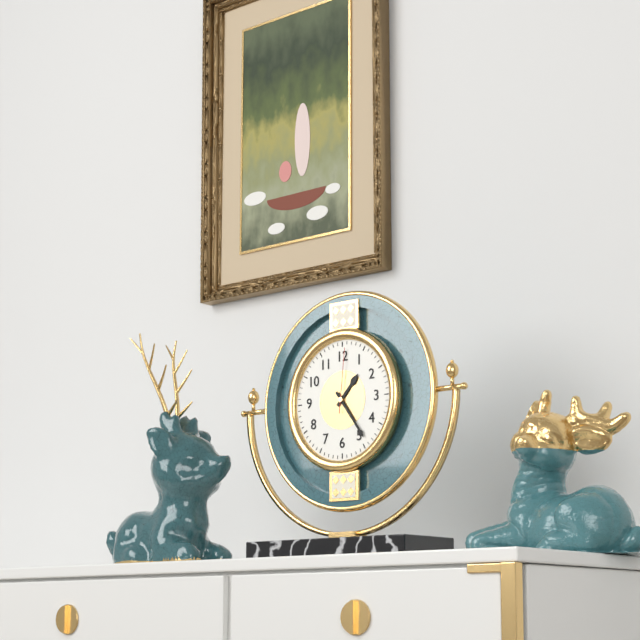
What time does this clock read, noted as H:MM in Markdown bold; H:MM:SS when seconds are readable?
**1:24:01**
